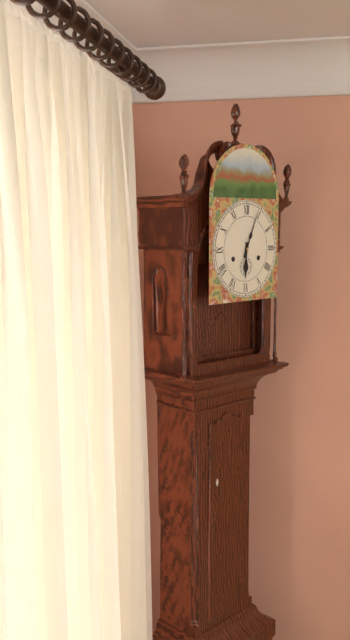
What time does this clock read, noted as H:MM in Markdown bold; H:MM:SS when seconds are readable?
**6:04**
